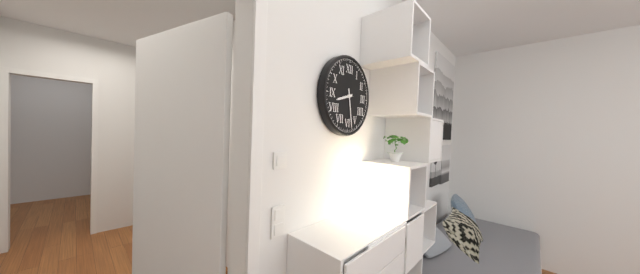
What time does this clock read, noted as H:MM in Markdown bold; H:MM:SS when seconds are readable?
**8:28**
